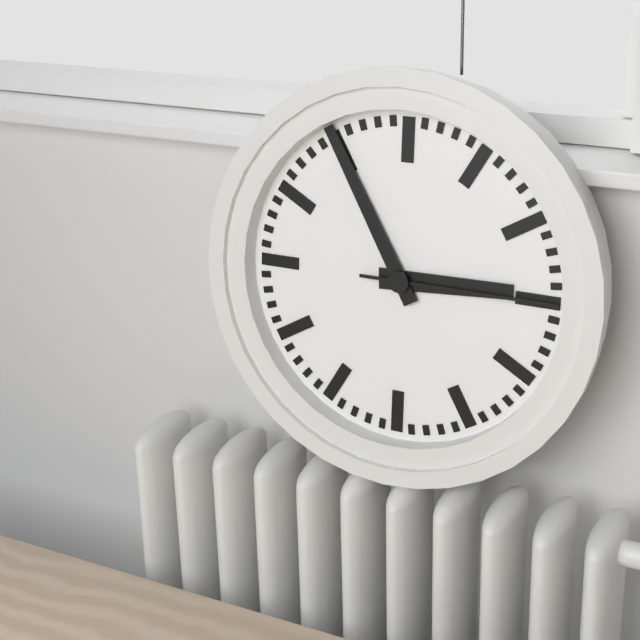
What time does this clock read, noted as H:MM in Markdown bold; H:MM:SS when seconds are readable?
**2:55:15**
